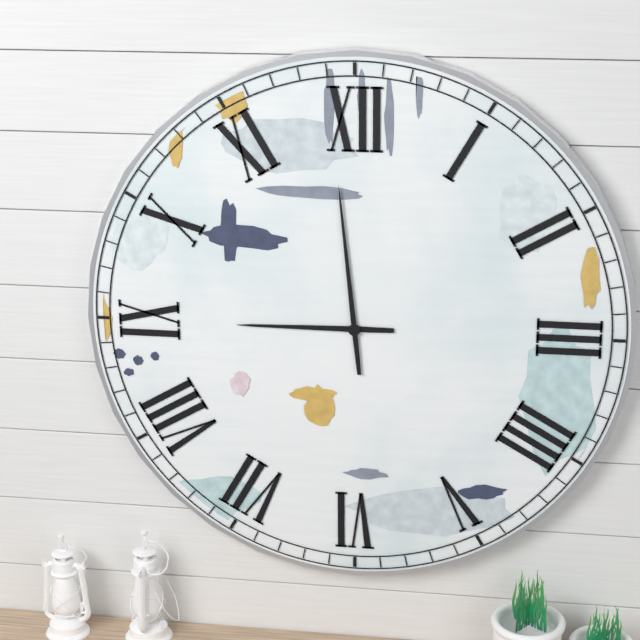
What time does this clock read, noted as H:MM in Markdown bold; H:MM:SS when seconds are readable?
**8:59**
